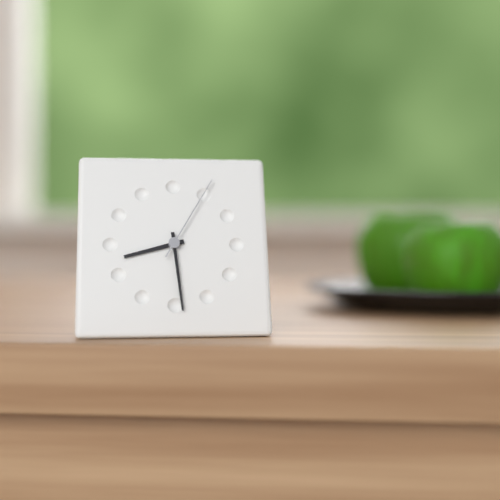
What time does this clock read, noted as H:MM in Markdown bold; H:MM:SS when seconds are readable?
**8:29:05**
